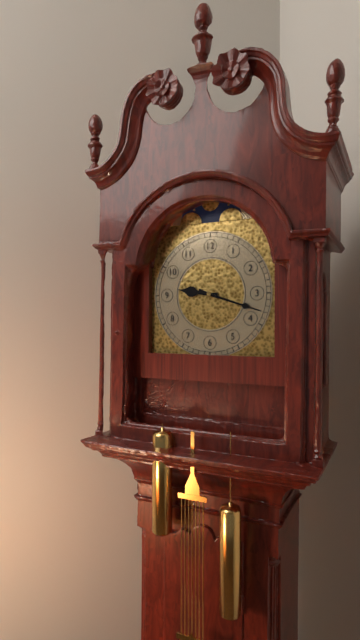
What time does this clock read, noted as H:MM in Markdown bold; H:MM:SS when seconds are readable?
**9:18**
